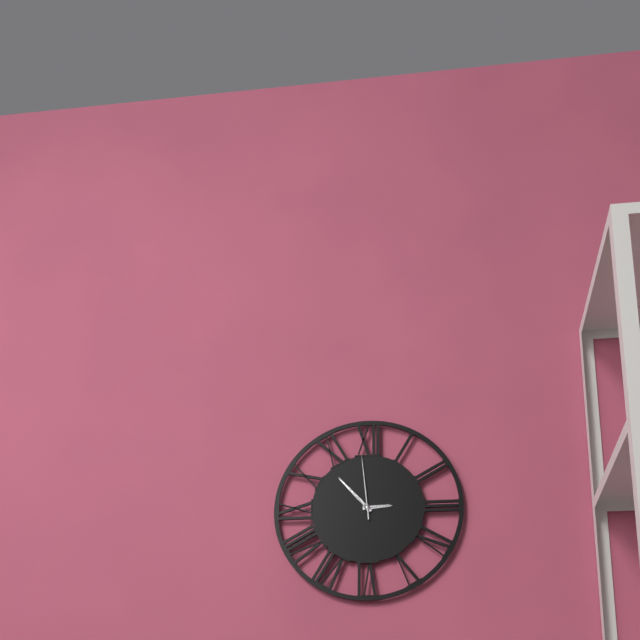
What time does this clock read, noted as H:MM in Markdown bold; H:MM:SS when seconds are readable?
**2:53:59**
